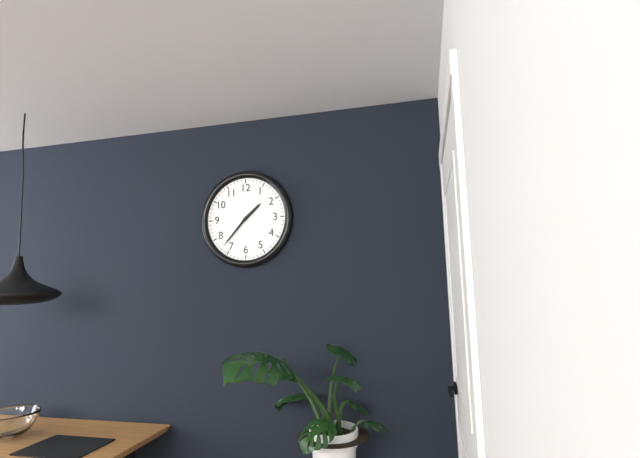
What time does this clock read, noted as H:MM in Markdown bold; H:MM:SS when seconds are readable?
**1:37**
